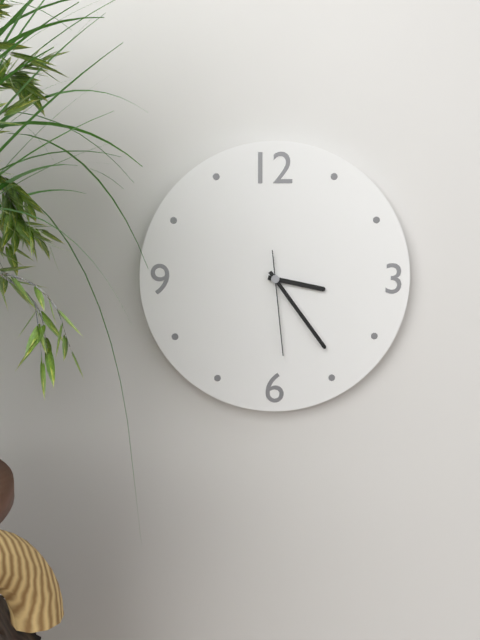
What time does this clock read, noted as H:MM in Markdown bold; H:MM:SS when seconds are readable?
**3:24:29**
